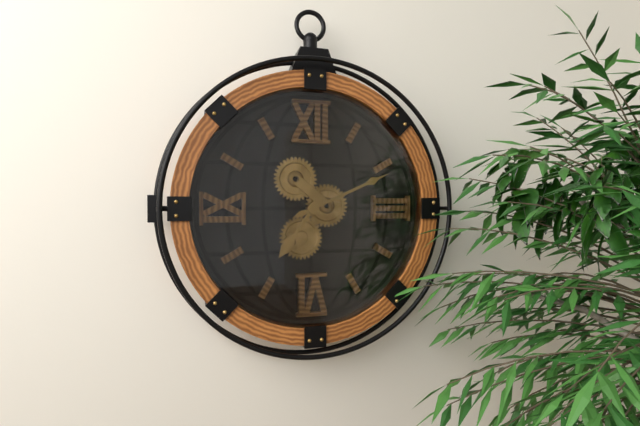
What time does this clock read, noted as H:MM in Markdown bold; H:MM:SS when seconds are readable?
**7:11**
